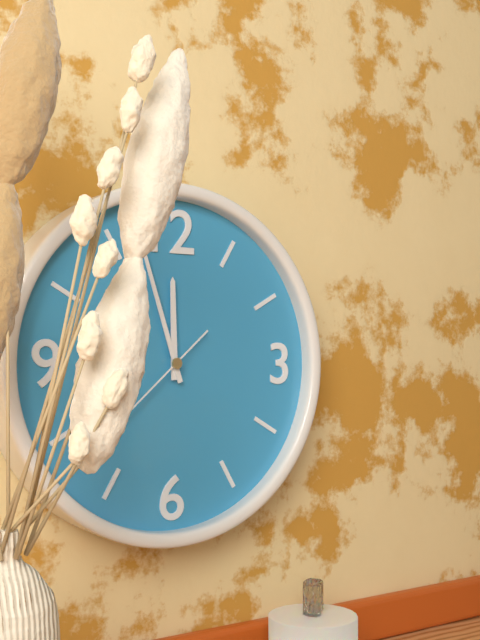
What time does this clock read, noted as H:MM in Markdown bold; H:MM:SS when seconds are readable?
**11:57**
